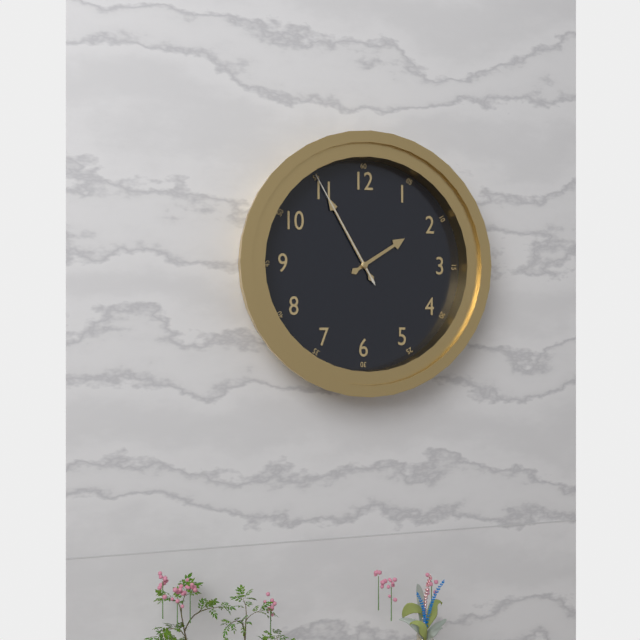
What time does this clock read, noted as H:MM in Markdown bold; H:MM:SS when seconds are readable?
**1:55:55**
